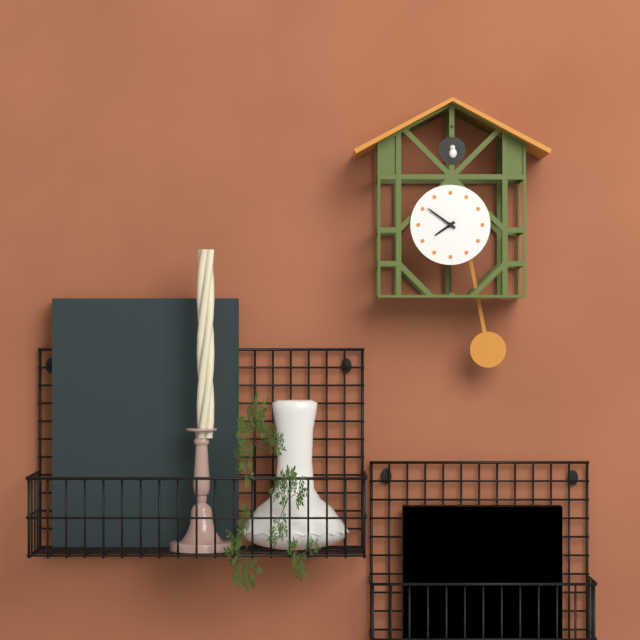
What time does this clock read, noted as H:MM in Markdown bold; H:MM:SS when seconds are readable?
**7:51**
